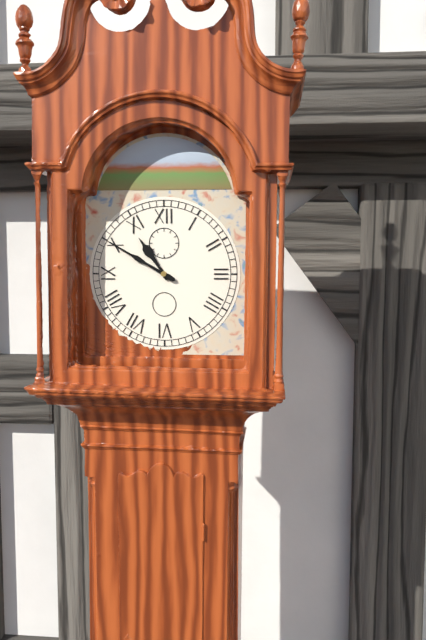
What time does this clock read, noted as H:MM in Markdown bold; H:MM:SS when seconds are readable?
**10:50**
